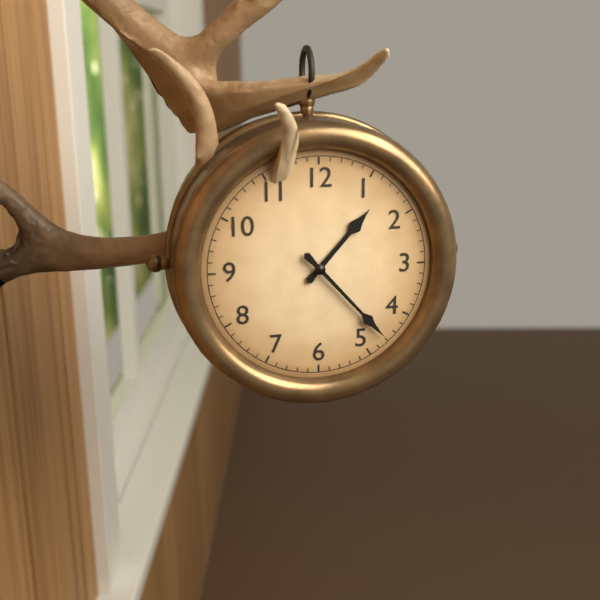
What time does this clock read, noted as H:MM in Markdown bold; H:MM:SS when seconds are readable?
**1:23**
